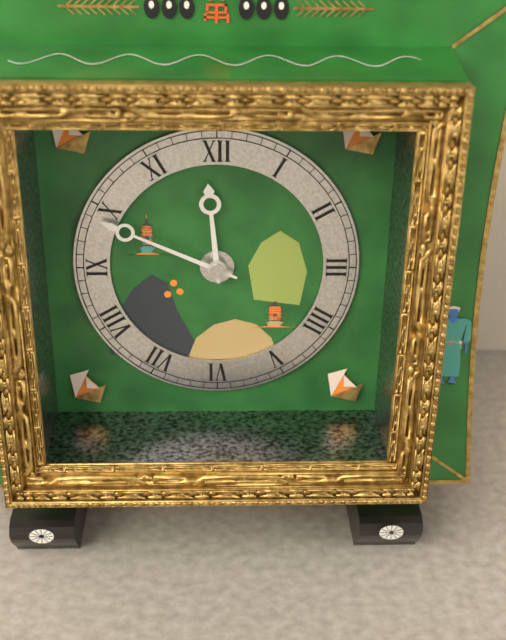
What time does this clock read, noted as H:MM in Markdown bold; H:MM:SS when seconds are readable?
**11:49**
